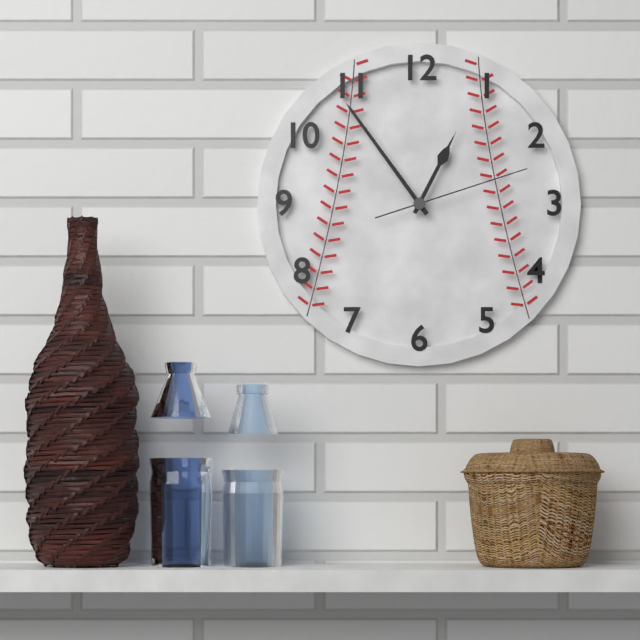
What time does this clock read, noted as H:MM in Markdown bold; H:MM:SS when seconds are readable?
**12:54:12**
